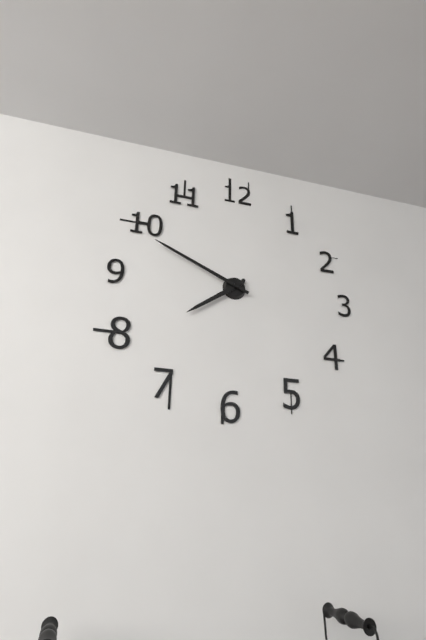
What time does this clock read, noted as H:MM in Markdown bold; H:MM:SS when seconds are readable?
**7:49**
